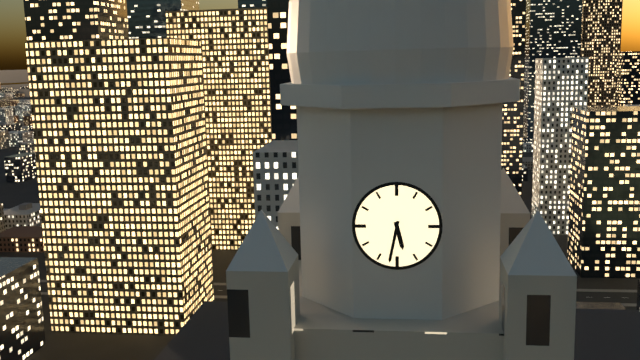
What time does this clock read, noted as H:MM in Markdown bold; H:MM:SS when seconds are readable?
**5:32**
